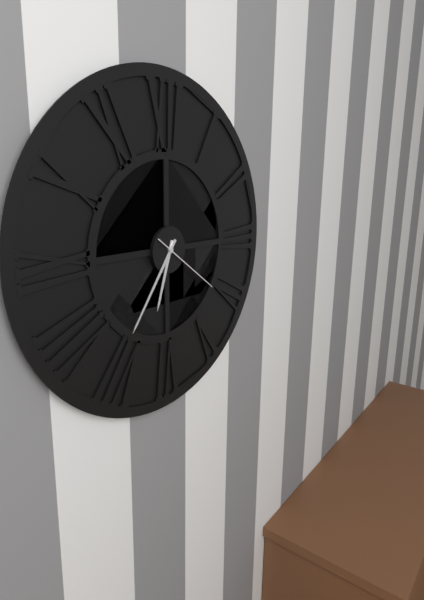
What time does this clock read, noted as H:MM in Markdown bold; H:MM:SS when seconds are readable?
**6:36:21**
